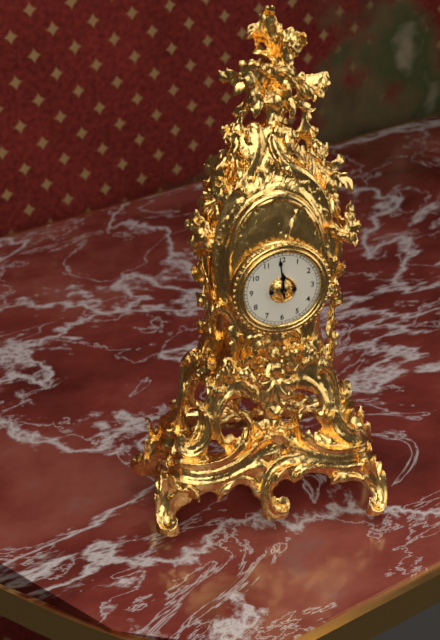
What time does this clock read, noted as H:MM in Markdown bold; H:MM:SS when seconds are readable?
**11:59**
